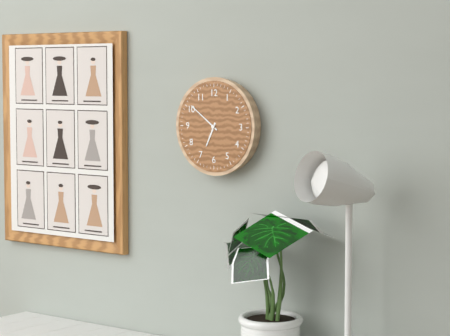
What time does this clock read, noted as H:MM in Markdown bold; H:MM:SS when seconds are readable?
**6:51**
